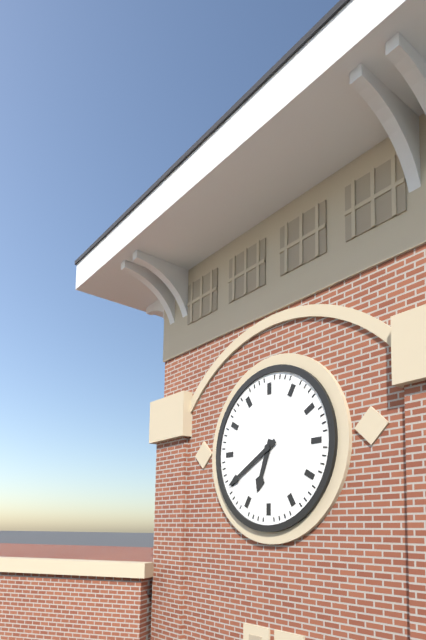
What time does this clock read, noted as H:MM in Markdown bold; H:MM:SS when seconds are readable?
**6:40**
